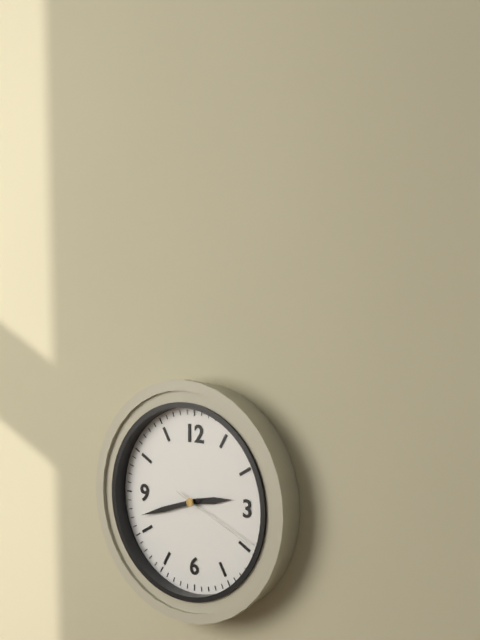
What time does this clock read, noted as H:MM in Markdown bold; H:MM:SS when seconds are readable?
**2:42:19**
